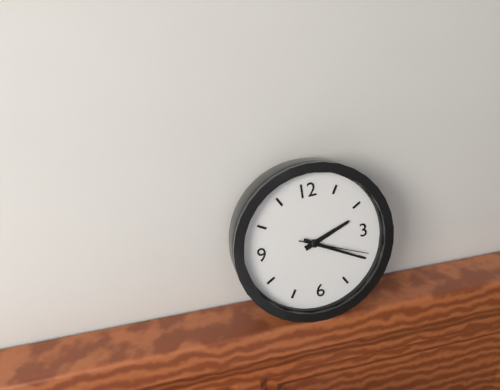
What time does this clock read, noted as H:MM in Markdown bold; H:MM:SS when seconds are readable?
**2:20:19**
